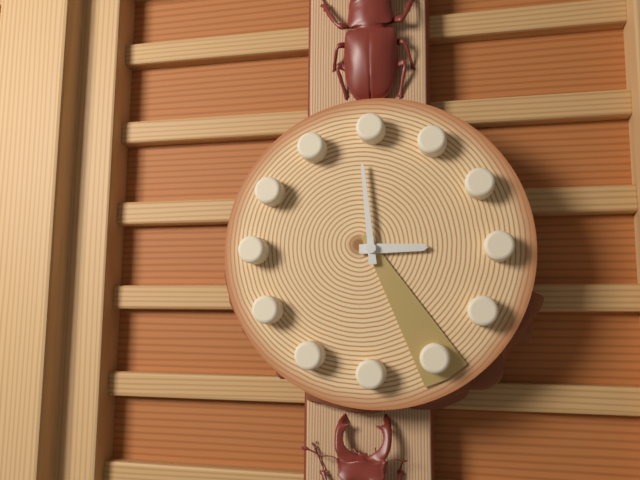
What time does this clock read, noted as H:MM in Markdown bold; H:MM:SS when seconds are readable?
**2:59:25**
